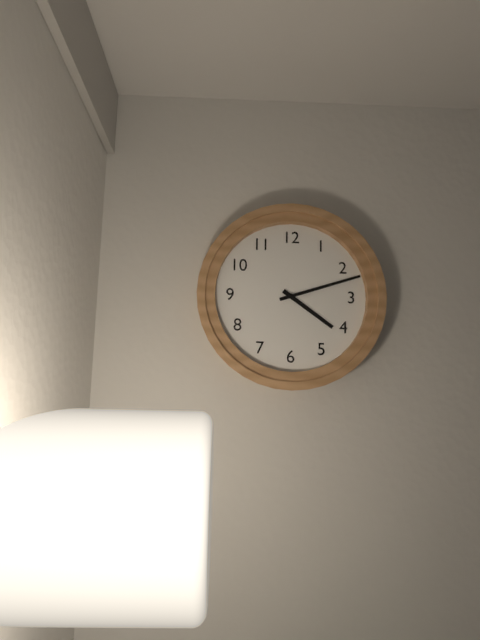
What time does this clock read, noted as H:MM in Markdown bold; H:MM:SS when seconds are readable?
**4:12**
